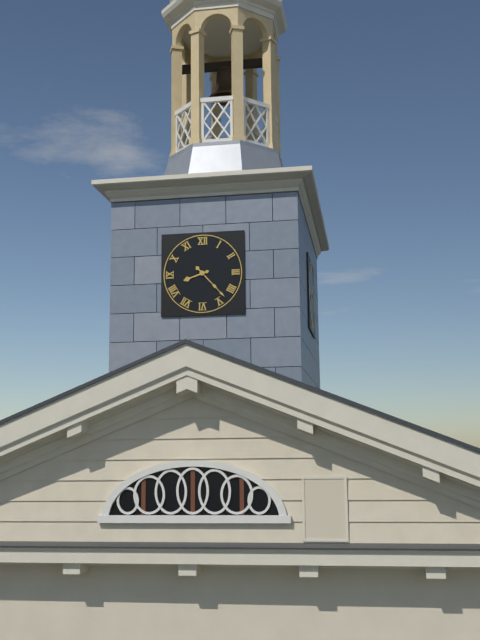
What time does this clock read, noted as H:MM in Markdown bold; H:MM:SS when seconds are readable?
**8:23**
